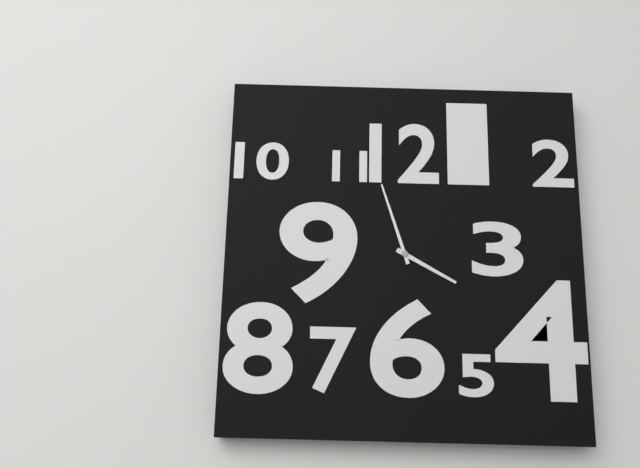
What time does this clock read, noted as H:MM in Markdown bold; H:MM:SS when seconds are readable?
**3:57**
